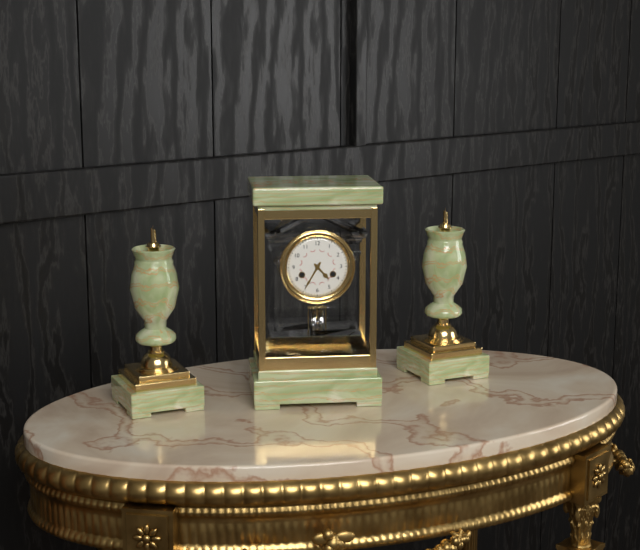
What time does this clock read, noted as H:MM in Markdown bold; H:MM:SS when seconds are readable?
**4:35**
